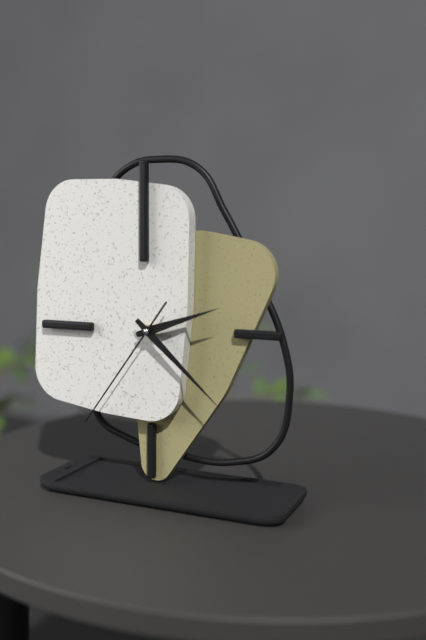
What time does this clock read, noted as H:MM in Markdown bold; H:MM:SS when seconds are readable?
**2:22:36**
